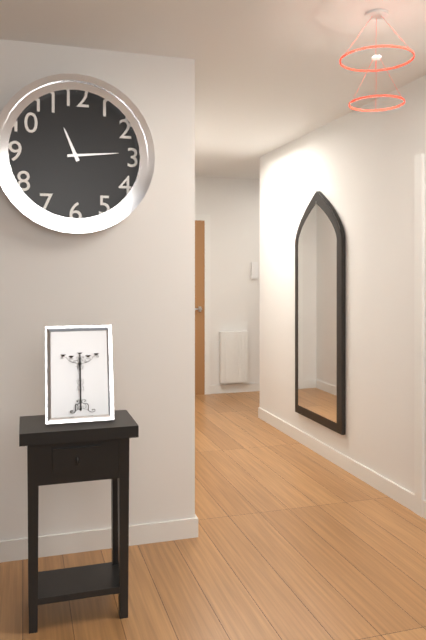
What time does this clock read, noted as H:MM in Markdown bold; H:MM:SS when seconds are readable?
**11:14**
